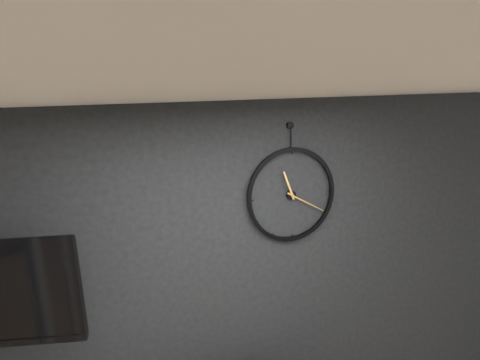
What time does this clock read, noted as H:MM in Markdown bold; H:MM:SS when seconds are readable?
**11:20**
